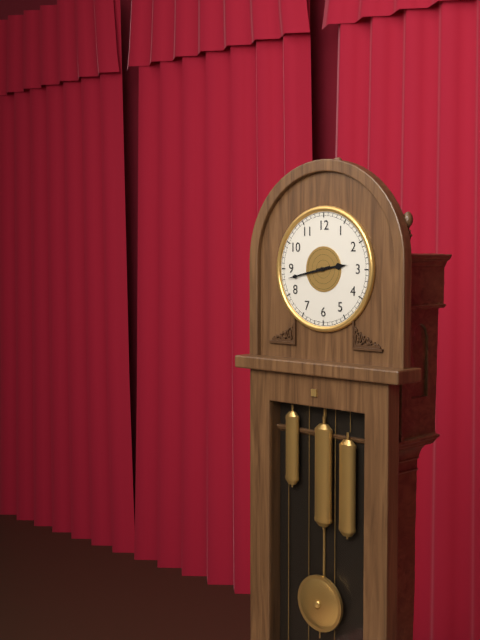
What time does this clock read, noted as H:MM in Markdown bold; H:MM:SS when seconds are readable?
**2:43**
